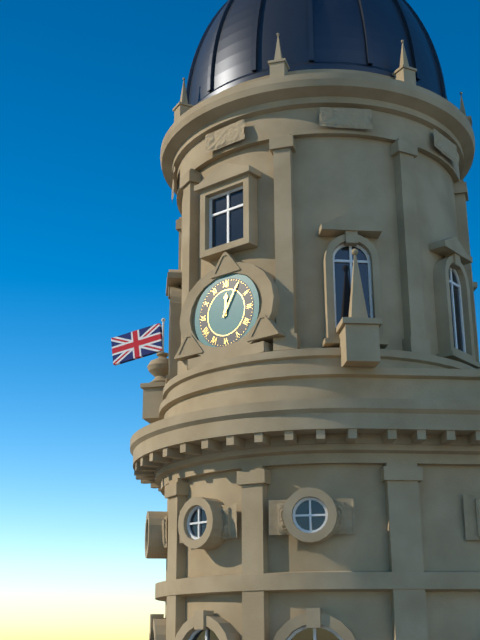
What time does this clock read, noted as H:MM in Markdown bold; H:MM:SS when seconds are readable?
**12:05**
